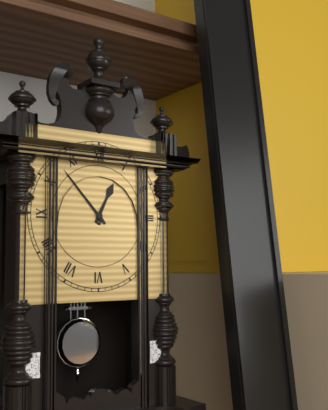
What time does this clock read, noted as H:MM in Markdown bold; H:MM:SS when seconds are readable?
**12:53**
